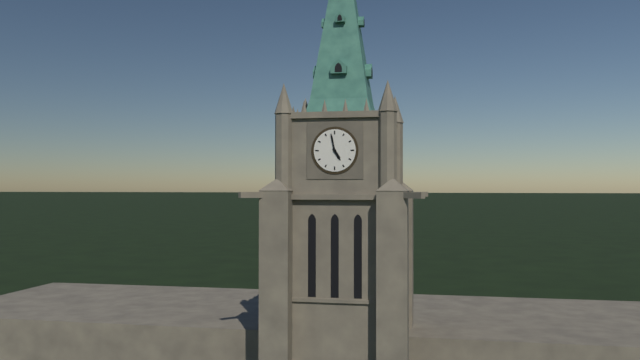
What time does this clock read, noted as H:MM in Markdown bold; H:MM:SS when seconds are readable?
**4:58**
